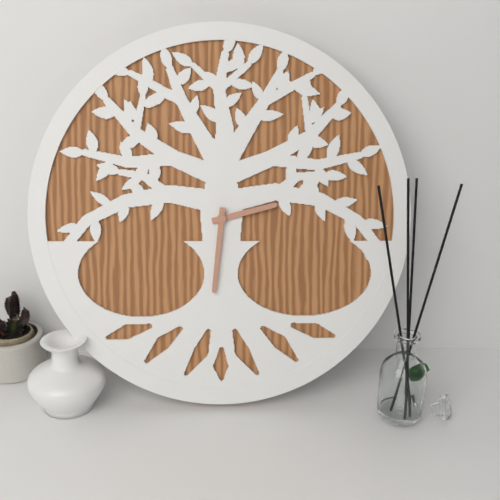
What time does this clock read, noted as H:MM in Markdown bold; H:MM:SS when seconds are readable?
**2:31**
